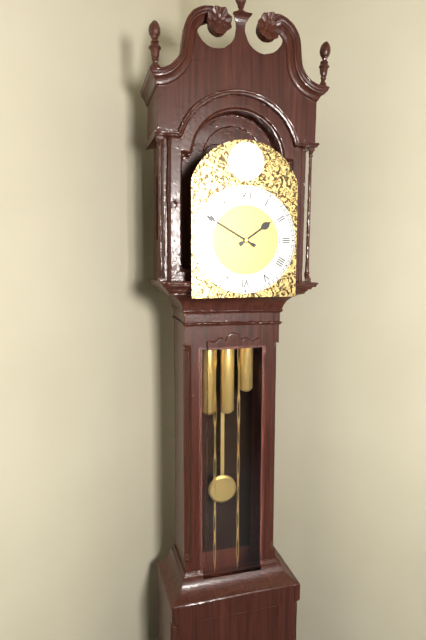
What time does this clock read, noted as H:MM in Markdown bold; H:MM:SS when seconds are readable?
**1:50**
